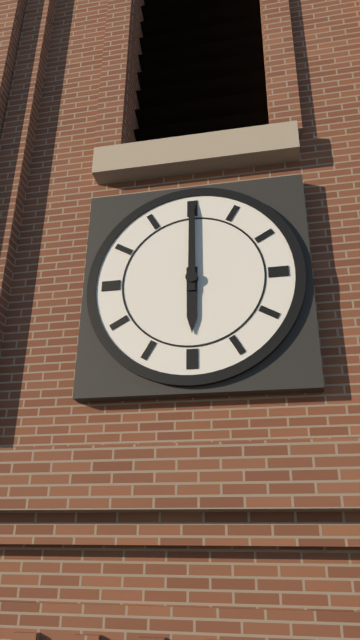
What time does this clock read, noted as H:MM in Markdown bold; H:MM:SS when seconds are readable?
**6:00**
